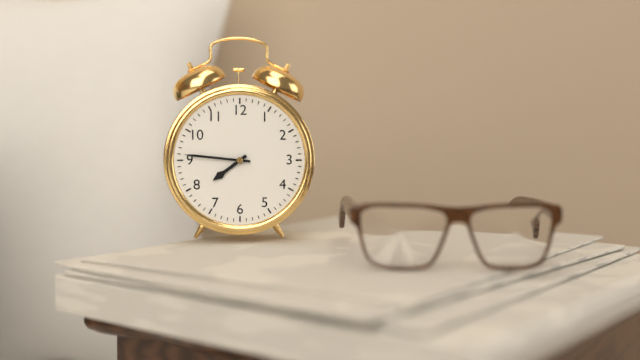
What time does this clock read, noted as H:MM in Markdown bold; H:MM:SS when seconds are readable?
**7:46**
